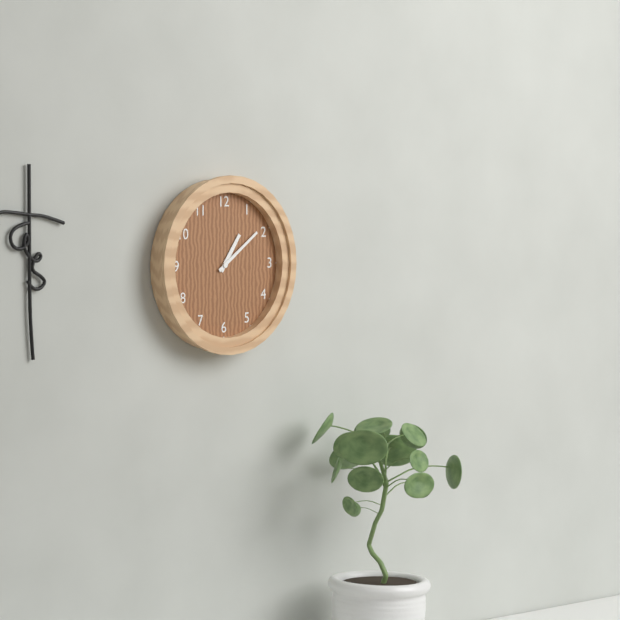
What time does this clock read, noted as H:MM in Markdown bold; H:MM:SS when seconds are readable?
**1:09**
